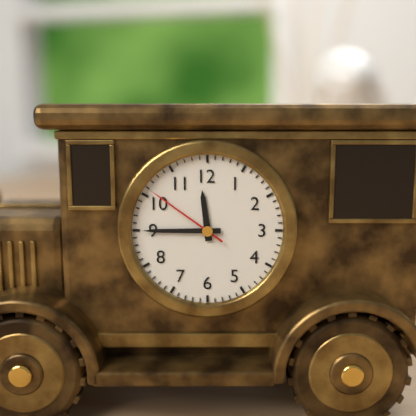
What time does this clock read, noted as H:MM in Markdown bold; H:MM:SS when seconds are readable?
**11:45:51**
